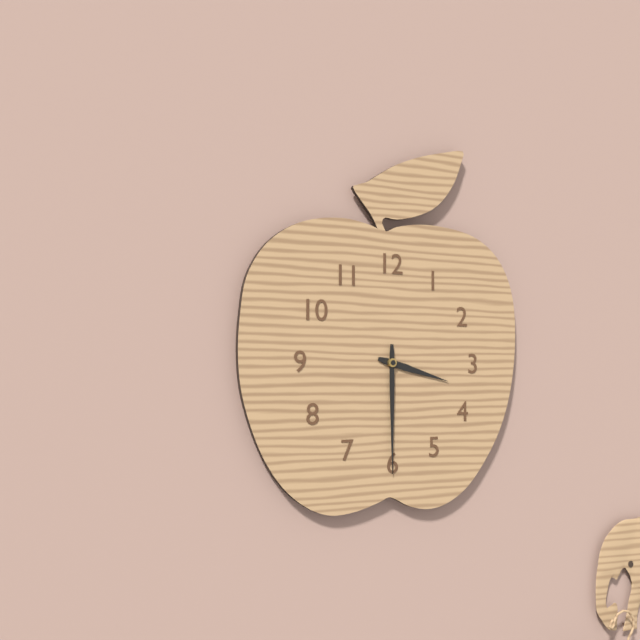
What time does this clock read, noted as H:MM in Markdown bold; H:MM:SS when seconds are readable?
**3:30**
